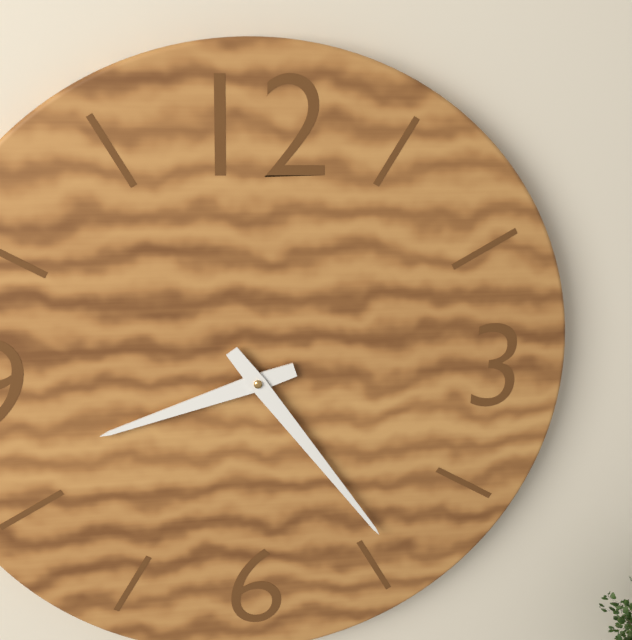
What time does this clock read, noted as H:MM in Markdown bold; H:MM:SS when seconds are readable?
**8:24**
